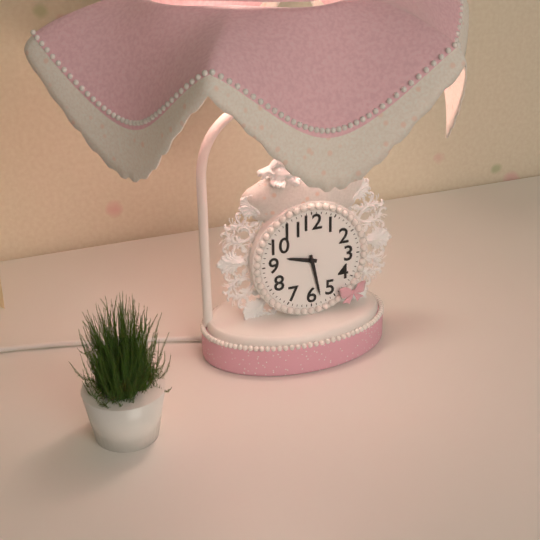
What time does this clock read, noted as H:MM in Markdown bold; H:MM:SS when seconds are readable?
**9:28**
